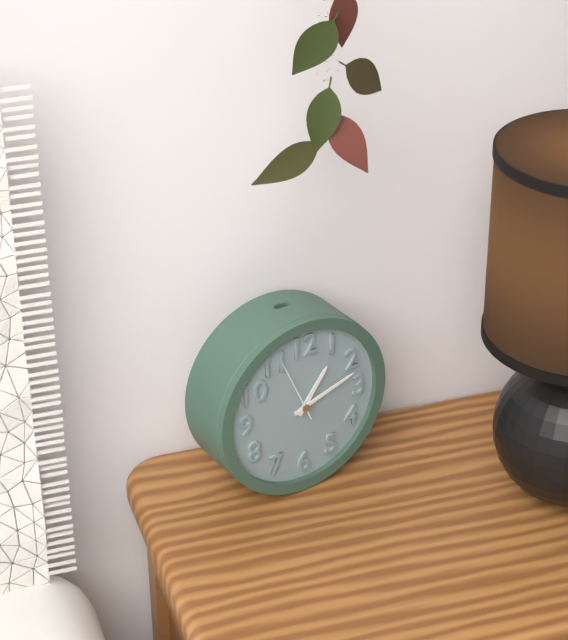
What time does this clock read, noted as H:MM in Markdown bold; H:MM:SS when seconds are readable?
**1:12:56**
